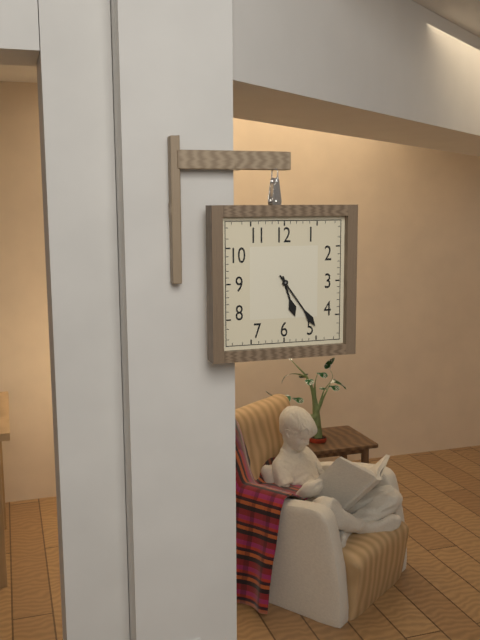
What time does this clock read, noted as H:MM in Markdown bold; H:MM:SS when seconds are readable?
**5:24**
